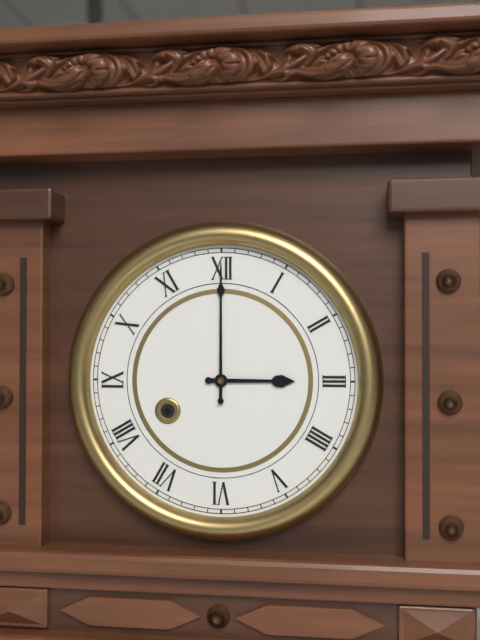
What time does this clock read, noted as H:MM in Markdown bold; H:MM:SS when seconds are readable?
**3:00**
